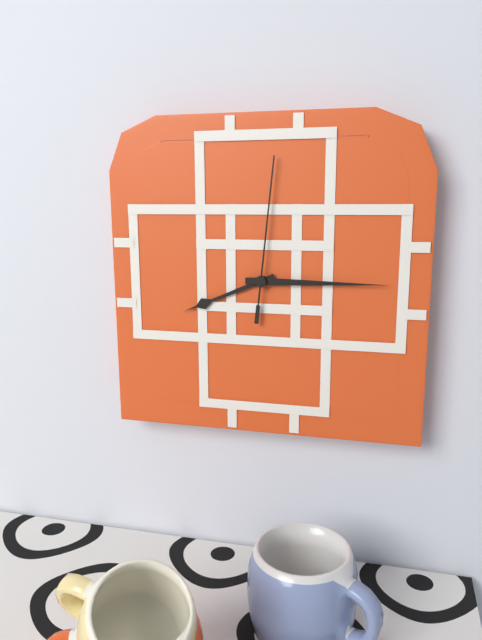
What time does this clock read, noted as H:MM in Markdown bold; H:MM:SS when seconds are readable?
**8:15:01**
